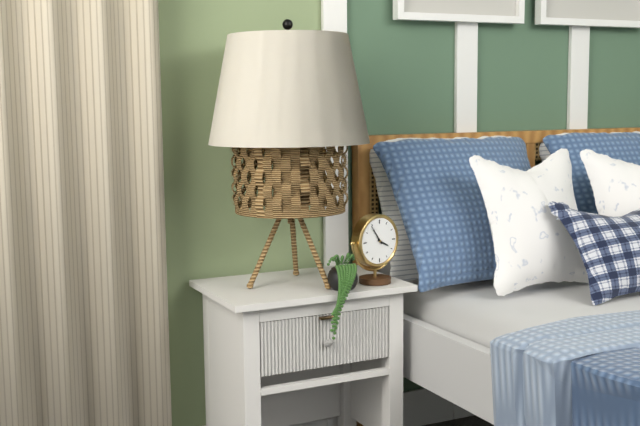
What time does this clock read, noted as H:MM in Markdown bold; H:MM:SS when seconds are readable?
**3:54**
